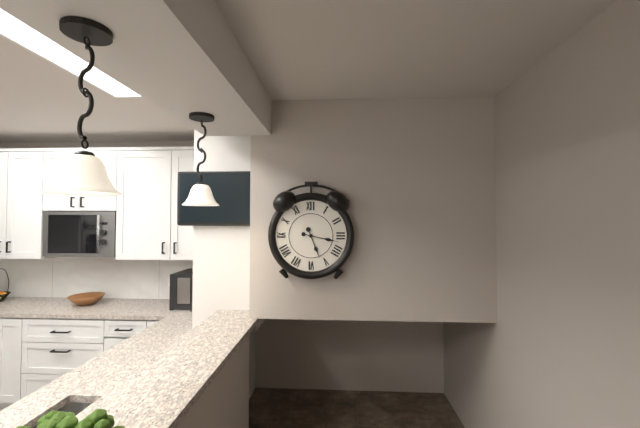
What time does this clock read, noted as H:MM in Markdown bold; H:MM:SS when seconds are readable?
**5:17**
